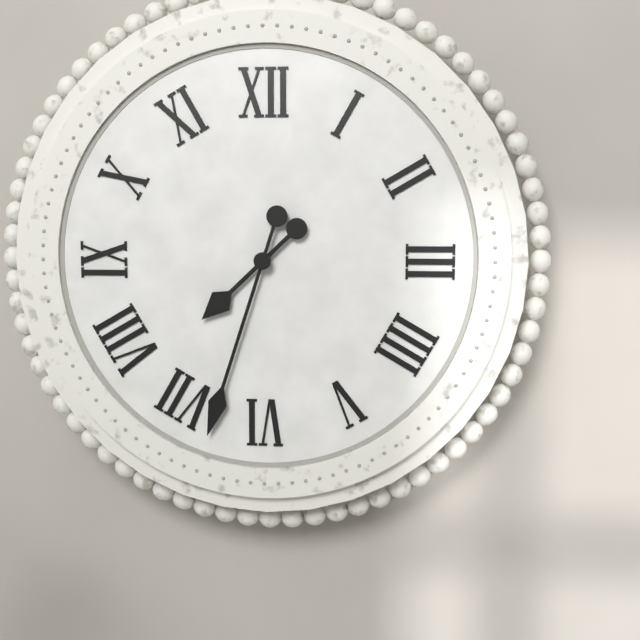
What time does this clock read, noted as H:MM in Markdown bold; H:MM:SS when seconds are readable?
**7:33**
